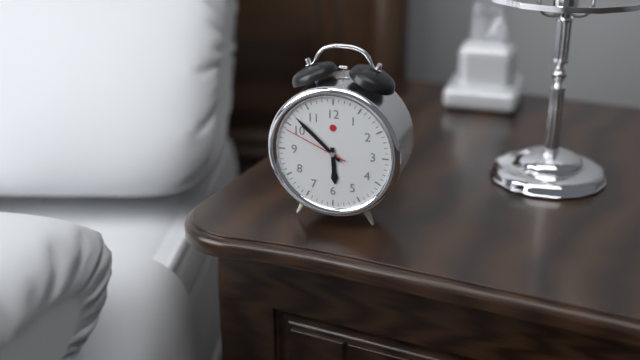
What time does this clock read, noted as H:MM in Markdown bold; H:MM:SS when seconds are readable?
**5:52:49**
